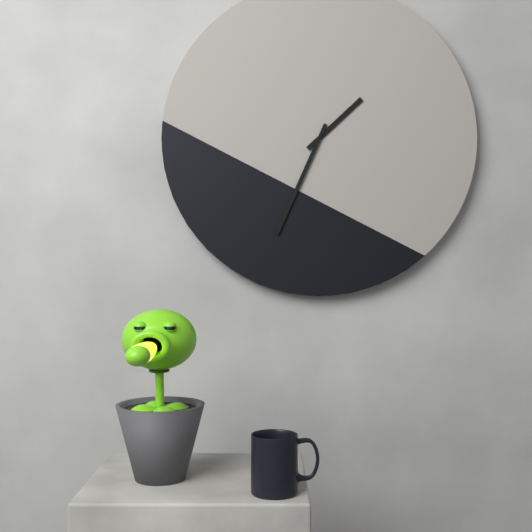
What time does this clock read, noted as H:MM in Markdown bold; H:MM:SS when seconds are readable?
**1:34**
